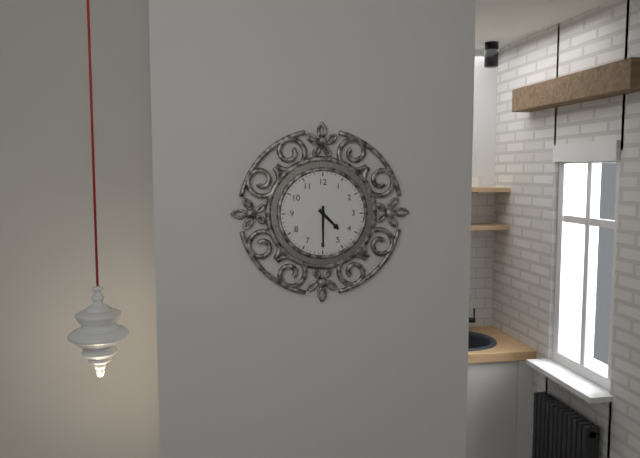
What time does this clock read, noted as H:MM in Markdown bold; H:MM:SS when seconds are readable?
**4:30**
